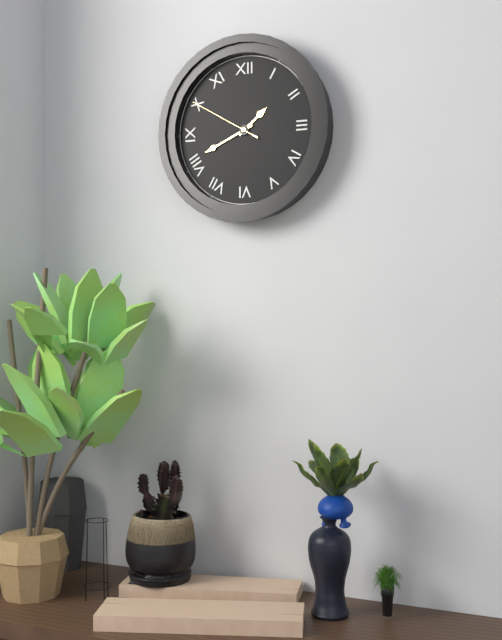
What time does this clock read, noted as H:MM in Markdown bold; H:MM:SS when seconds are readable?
**1:41:50**
